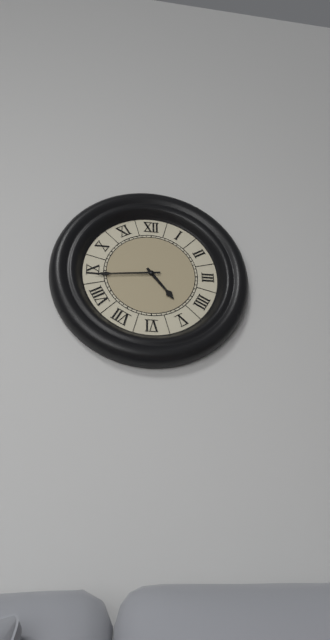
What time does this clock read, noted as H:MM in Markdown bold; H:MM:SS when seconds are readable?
**4:44**
